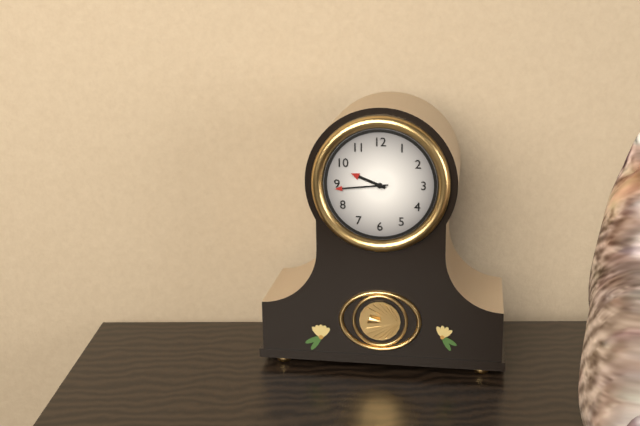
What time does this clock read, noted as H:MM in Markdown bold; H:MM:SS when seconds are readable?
**9:44**
